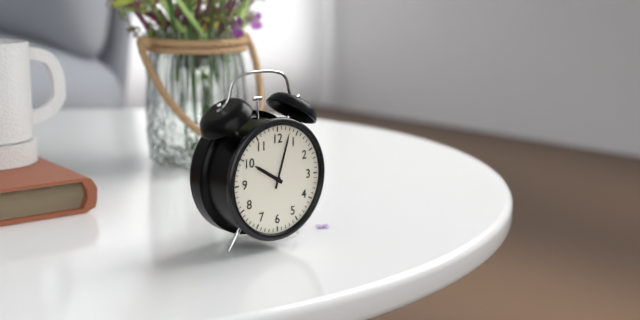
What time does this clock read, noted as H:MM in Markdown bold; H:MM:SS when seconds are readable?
**10:03**
